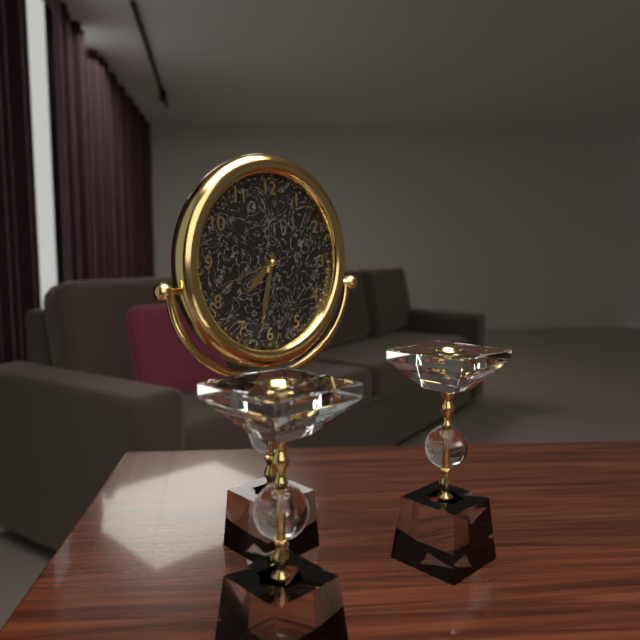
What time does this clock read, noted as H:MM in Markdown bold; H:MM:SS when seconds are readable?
**7:32:42**
